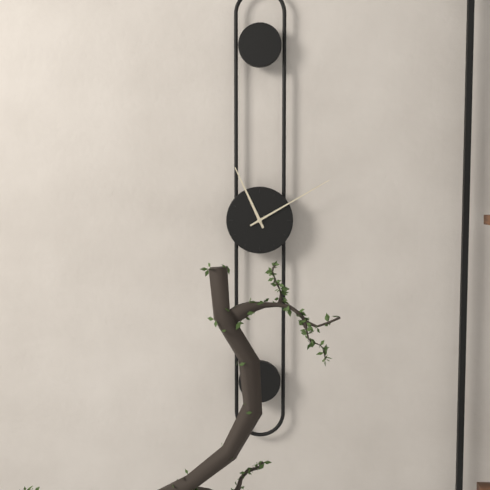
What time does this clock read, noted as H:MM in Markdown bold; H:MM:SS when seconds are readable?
**11:10**
